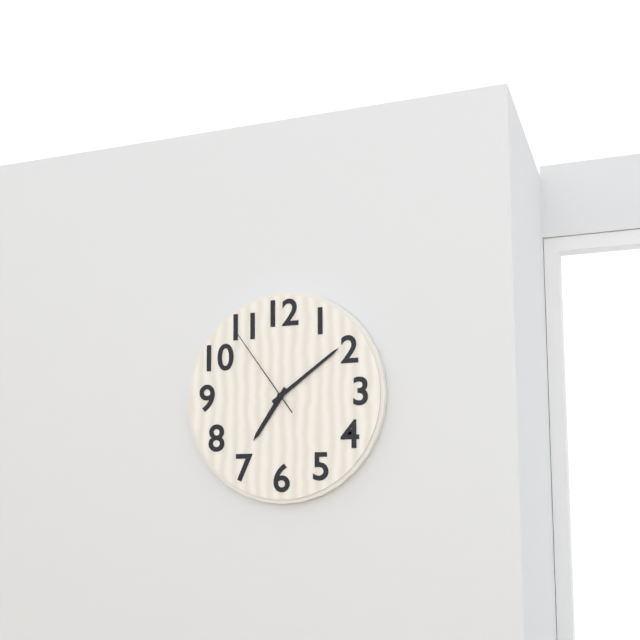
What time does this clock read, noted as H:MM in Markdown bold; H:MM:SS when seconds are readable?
**7:09:54**
